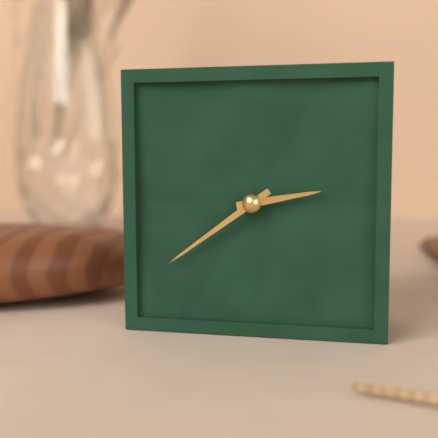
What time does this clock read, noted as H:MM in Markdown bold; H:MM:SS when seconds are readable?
**2:39**
